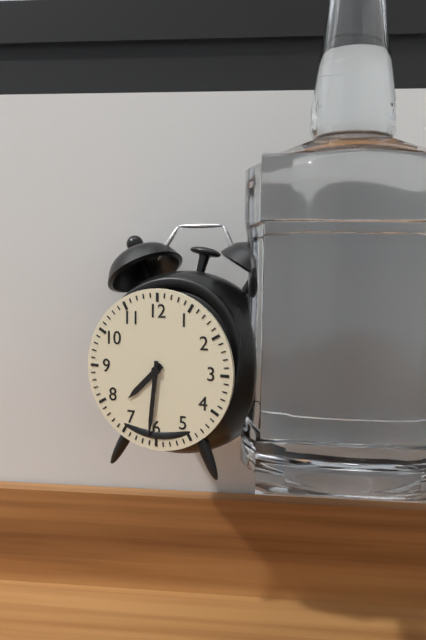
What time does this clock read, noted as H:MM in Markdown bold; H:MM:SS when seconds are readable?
**7:31**
